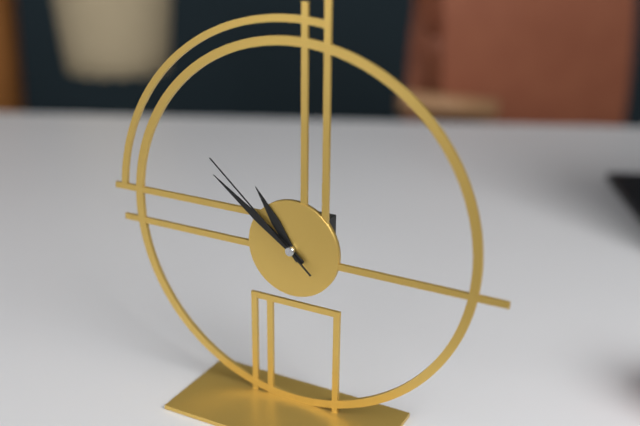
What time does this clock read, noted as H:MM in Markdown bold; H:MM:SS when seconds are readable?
**10:51:52**
